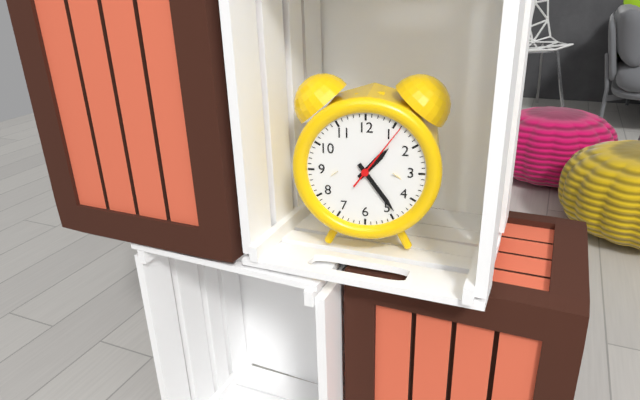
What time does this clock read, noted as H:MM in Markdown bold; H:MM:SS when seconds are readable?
**1:24:06**
